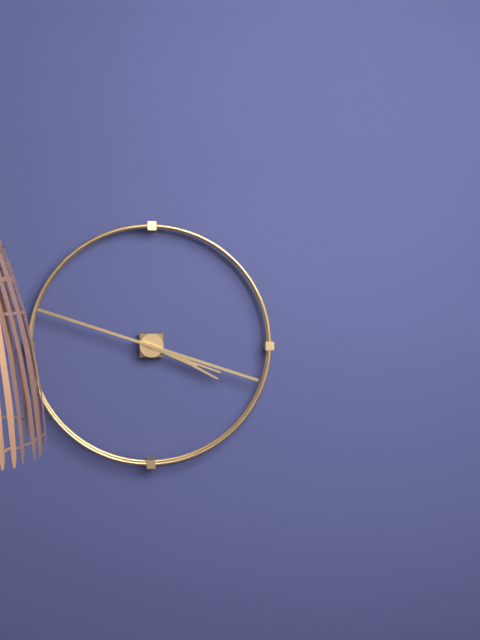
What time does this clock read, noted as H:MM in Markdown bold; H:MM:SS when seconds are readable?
**3:48**
